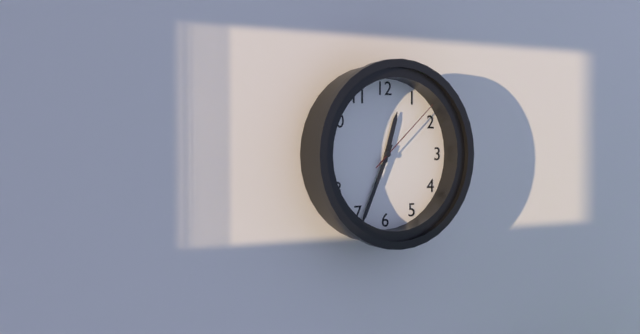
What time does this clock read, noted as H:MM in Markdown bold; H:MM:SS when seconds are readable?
**12:34:08**
